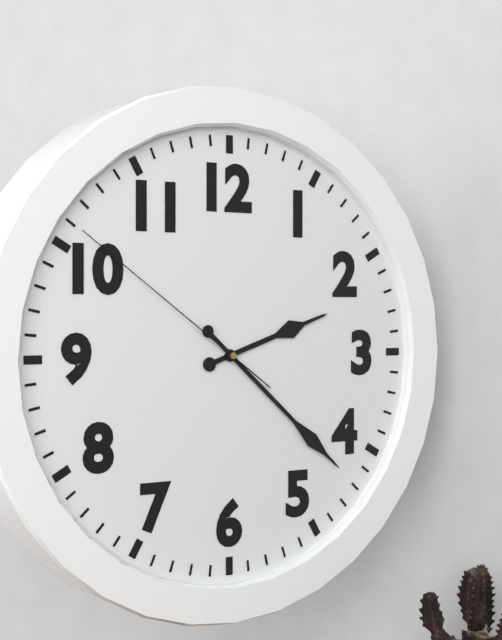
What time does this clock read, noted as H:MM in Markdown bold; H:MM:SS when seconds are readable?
**2:22:51**
